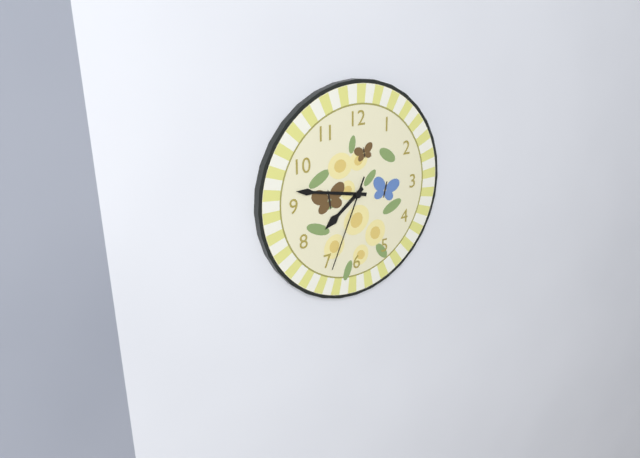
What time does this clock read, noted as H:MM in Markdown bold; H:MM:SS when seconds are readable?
**7:47:34**
